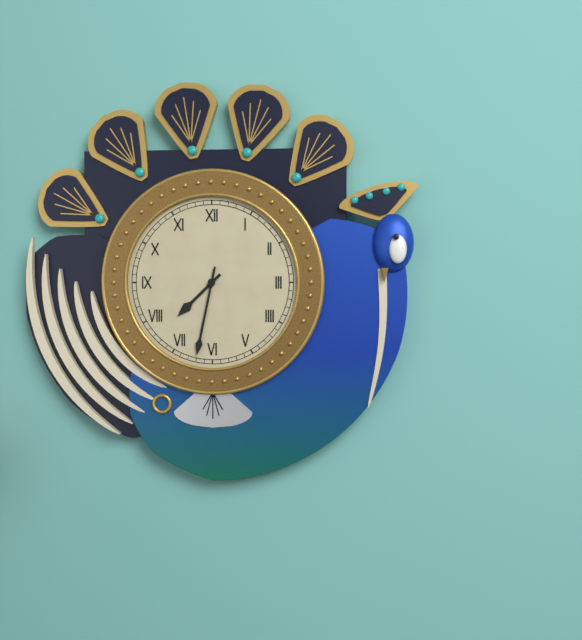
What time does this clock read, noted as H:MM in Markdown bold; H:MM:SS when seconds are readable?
**7:32**
